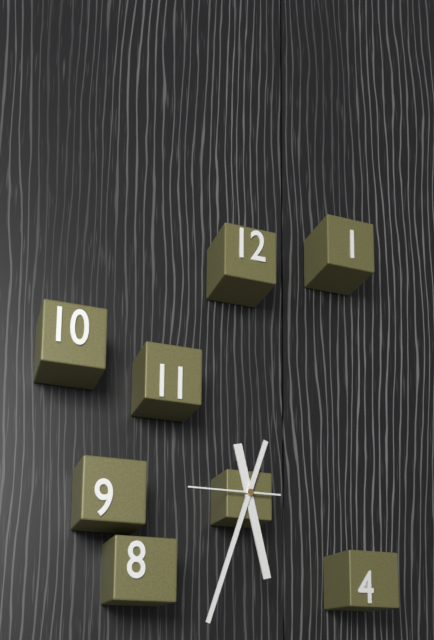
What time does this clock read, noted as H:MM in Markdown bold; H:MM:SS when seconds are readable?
**5:33:45**
